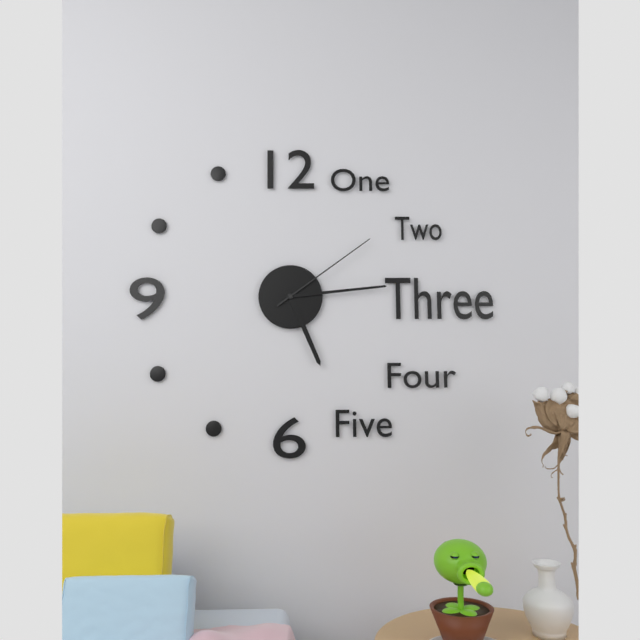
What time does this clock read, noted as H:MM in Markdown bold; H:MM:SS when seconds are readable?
**5:14:09**
